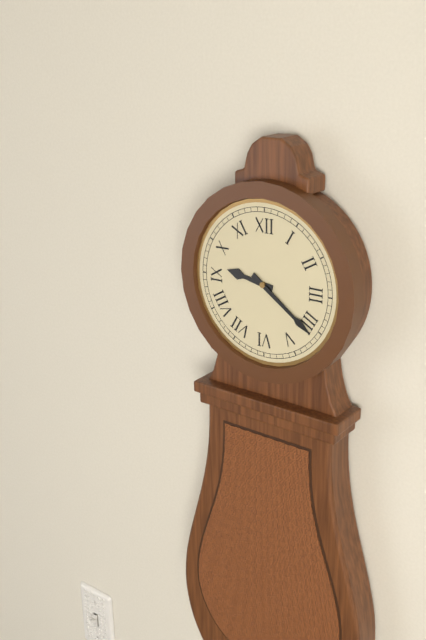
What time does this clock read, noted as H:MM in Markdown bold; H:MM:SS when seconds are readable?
**9:21**
